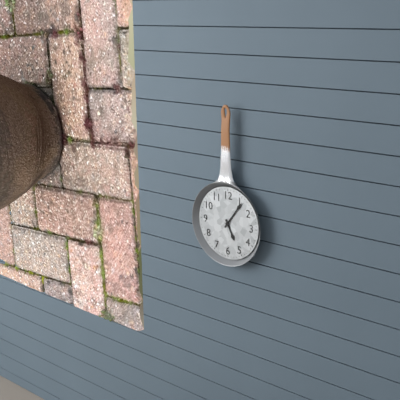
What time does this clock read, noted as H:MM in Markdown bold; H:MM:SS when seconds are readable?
**5:06**
